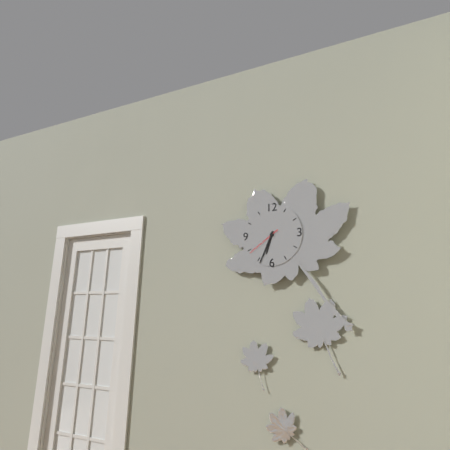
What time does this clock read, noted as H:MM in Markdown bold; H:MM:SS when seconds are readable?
**6:34**
